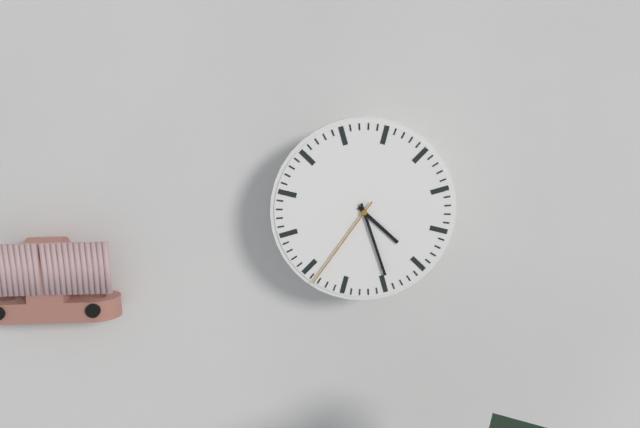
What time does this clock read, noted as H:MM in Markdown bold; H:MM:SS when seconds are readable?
**4:27:36**
